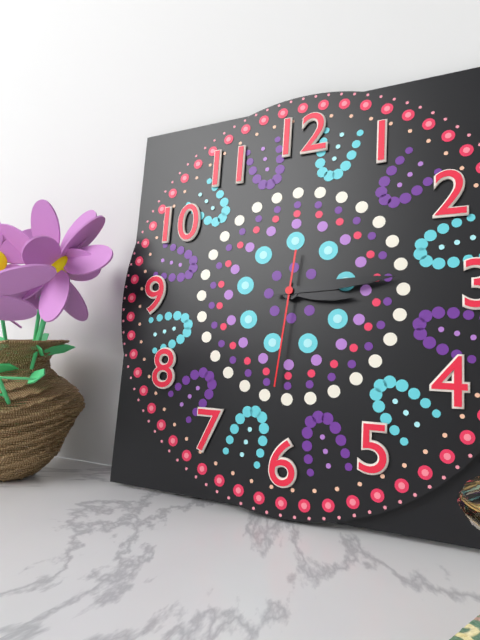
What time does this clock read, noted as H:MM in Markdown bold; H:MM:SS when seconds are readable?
**3:14:31**
